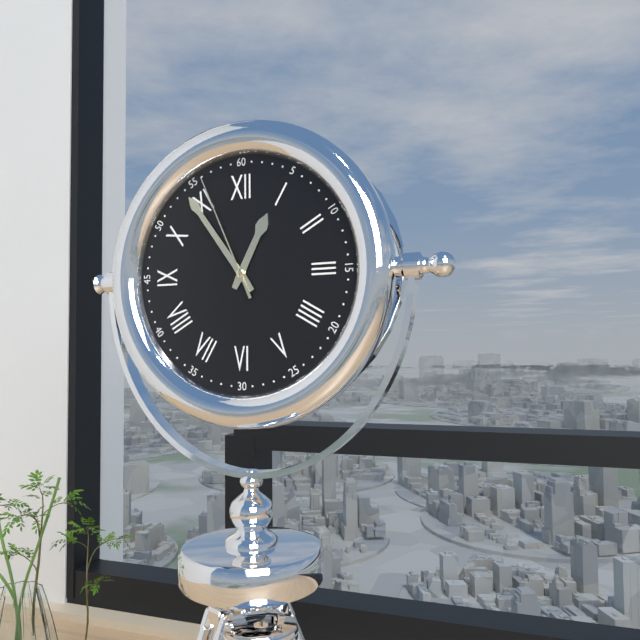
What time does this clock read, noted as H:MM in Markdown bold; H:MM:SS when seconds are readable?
**12:54:56**
